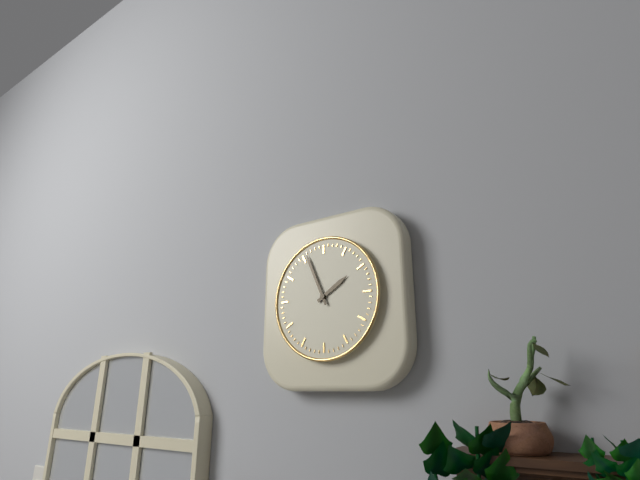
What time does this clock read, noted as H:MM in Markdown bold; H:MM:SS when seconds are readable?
**1:56**
